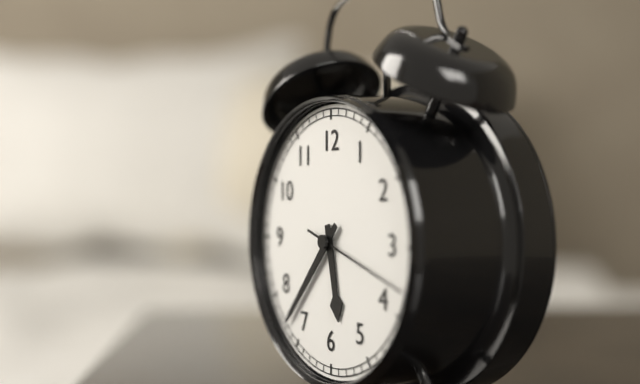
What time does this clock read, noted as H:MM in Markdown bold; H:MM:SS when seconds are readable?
**5:37:18**
